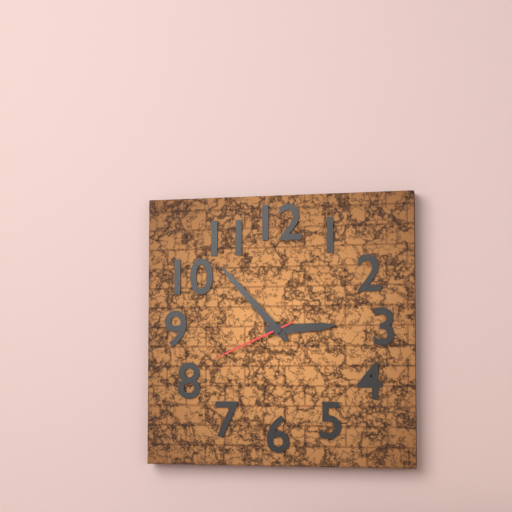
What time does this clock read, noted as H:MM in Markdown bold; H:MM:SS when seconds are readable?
**2:53:41**
